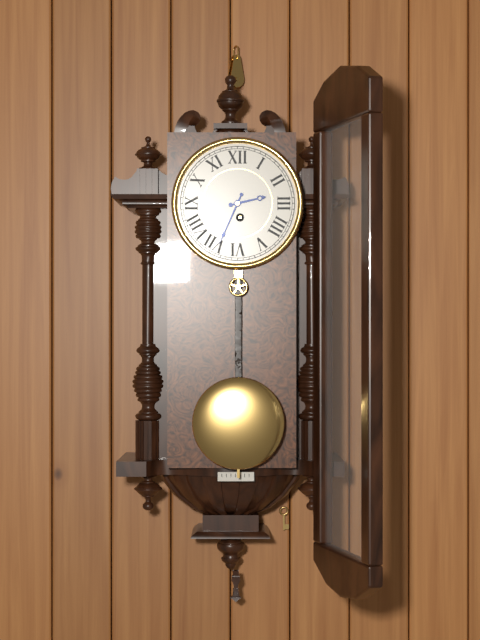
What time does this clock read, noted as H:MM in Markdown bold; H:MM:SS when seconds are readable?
**2:34**
